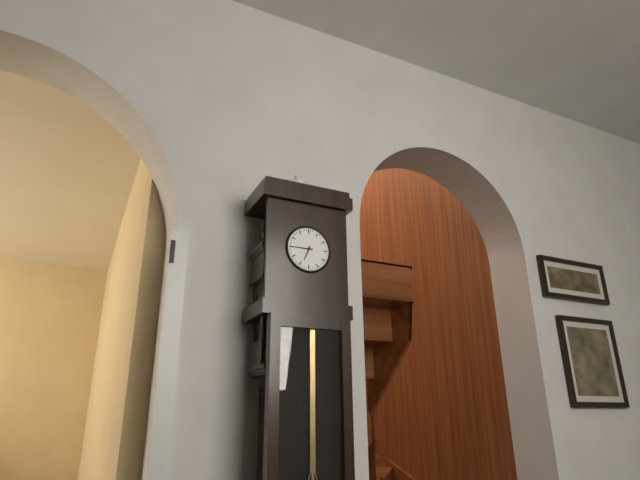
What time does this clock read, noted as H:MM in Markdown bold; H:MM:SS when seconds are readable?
**6:45**
